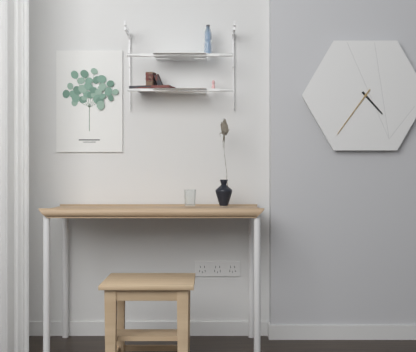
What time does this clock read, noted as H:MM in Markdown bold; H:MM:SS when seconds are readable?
**4:36**
